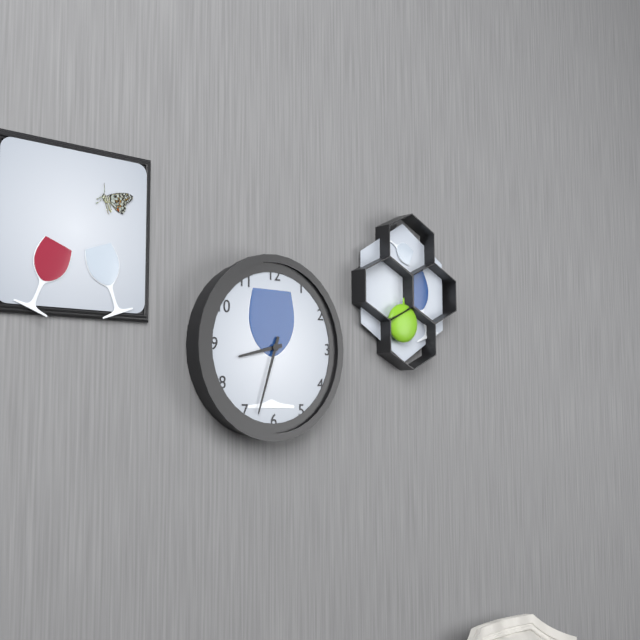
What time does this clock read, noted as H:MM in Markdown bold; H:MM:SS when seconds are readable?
**8:33**
